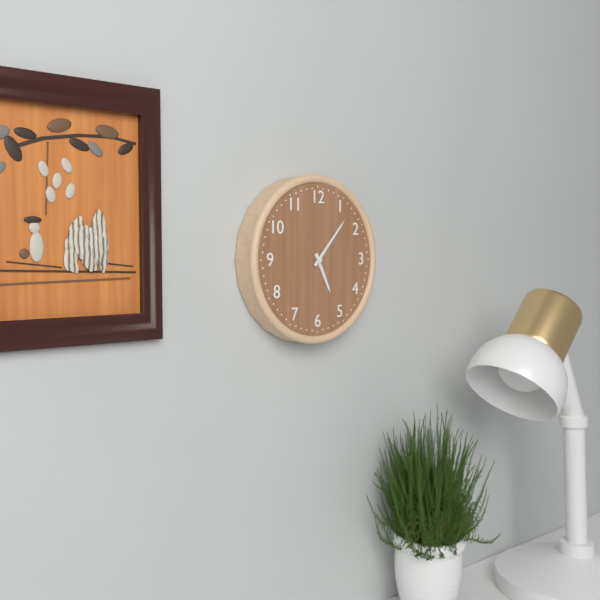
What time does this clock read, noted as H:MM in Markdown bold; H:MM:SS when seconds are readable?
**5:07**
